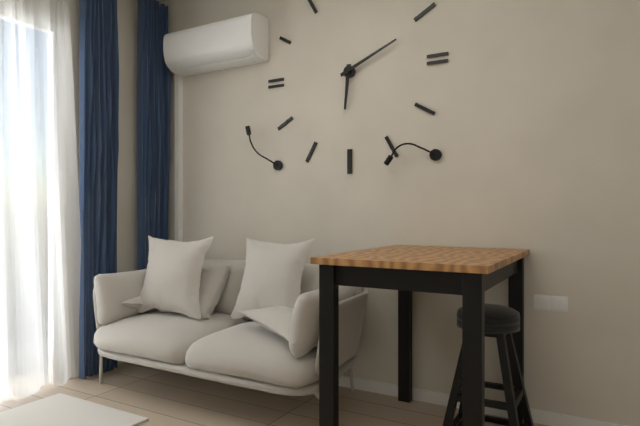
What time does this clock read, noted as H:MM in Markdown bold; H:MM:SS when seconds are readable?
**6:11**
